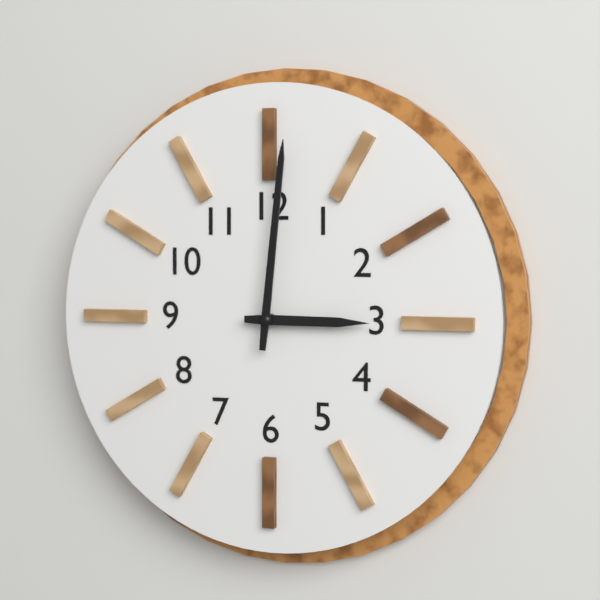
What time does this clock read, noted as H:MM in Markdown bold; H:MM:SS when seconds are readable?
**3:01**
